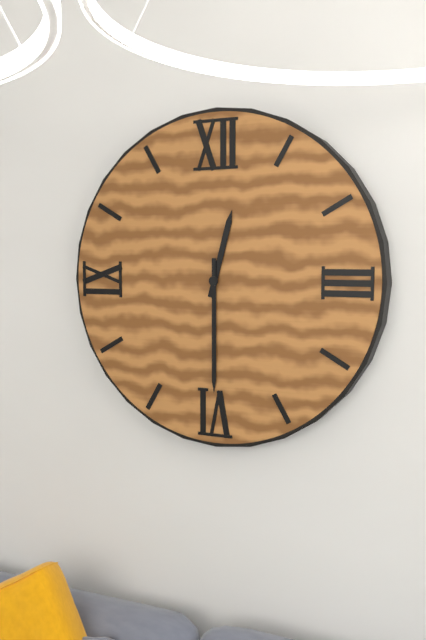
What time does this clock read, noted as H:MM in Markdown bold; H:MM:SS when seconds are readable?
**12:30**
